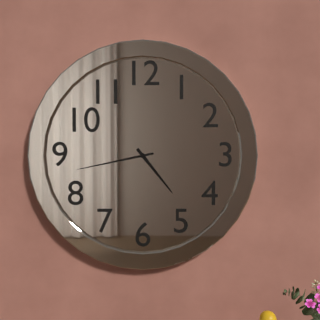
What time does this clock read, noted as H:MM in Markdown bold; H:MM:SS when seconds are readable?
**4:43**
